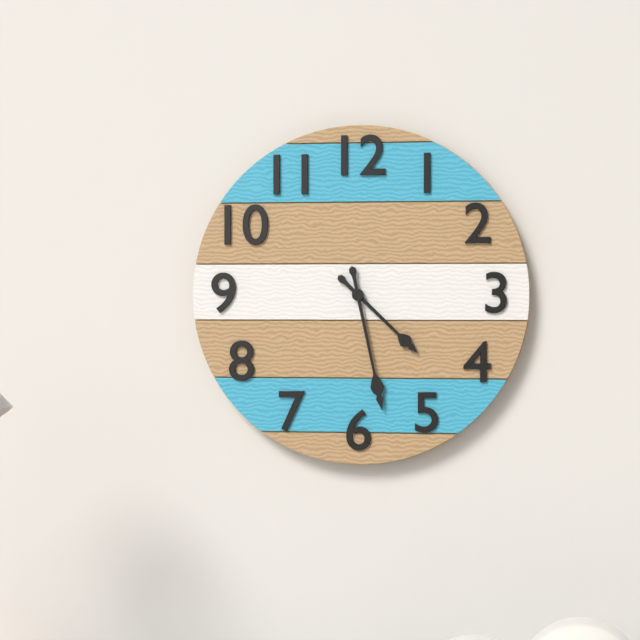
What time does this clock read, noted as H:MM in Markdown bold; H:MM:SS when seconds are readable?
**4:28**
